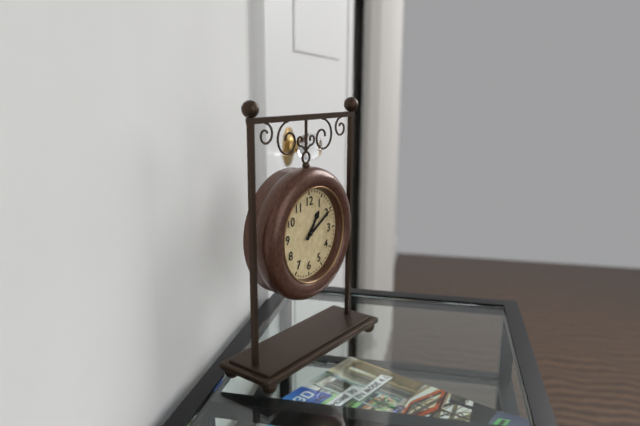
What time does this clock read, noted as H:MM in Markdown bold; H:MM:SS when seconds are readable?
**1:10**
